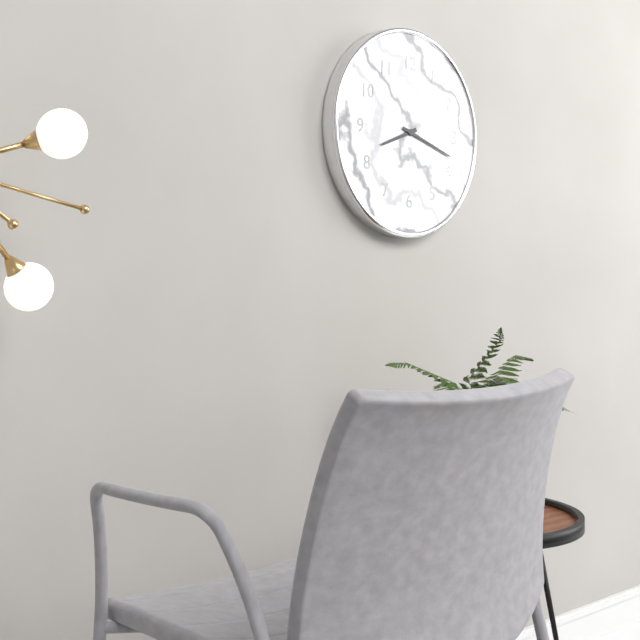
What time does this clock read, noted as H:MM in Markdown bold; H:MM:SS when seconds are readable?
**8:18**
